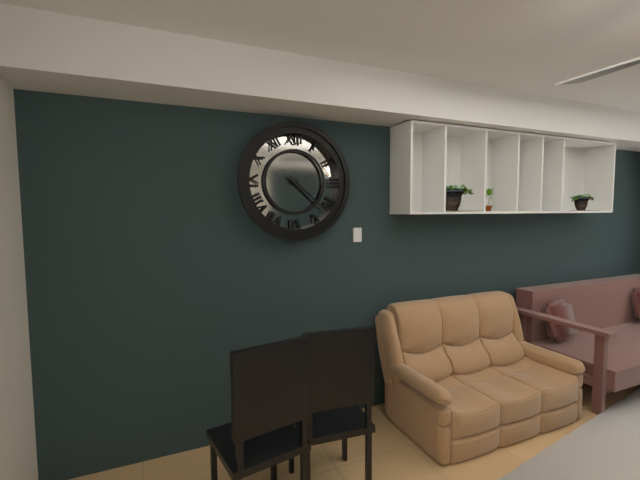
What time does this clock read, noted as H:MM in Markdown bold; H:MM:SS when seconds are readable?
**4:22**
